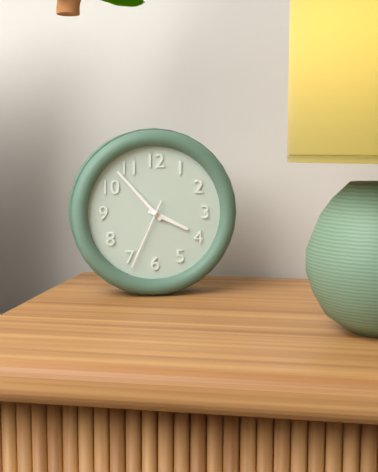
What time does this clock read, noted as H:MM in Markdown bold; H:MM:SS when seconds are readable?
**3:53:34**
